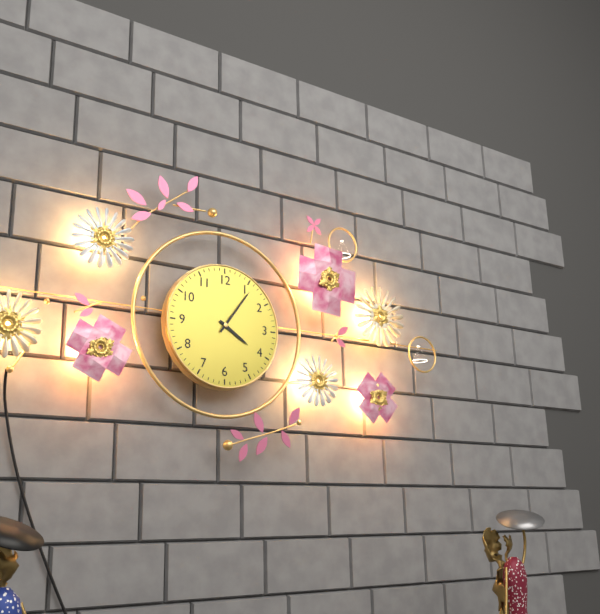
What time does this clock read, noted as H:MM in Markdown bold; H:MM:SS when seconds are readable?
**4:06**
